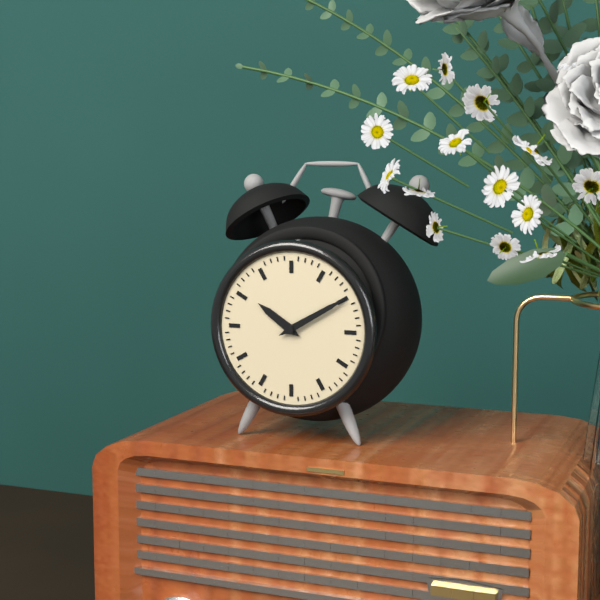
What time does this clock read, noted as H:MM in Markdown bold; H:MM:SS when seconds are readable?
**10:10**
